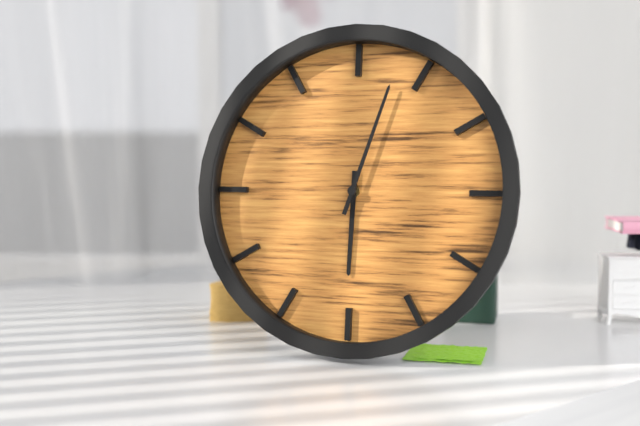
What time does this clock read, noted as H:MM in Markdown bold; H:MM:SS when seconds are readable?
**6:03**
